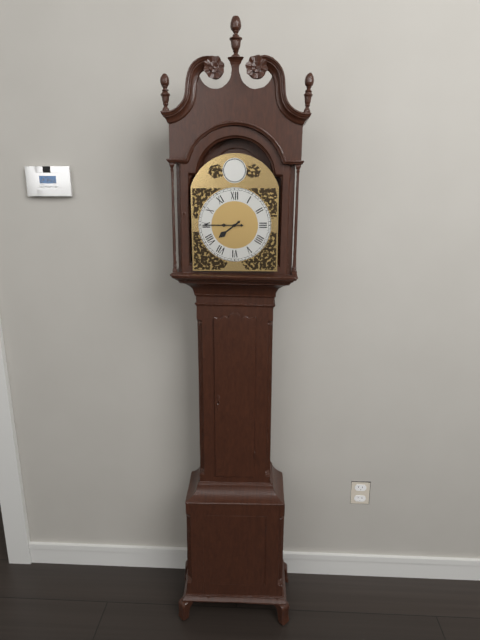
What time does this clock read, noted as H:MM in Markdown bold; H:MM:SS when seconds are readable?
**7:45**
